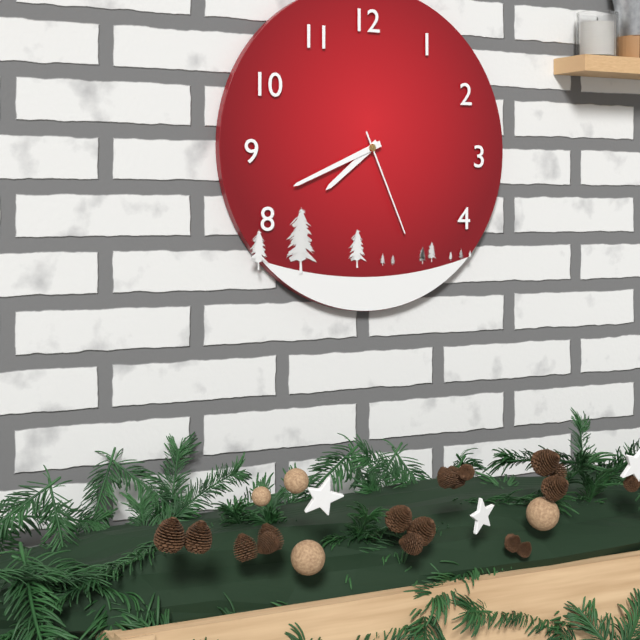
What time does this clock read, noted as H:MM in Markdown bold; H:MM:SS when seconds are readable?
**7:41:26**
